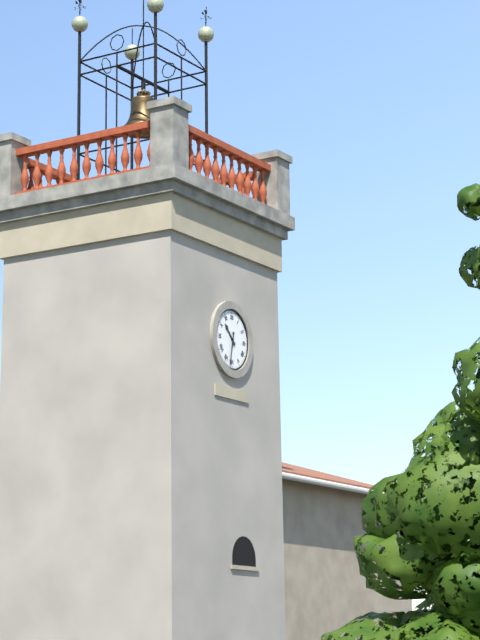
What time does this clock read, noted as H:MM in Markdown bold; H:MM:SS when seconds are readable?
**10:32**
